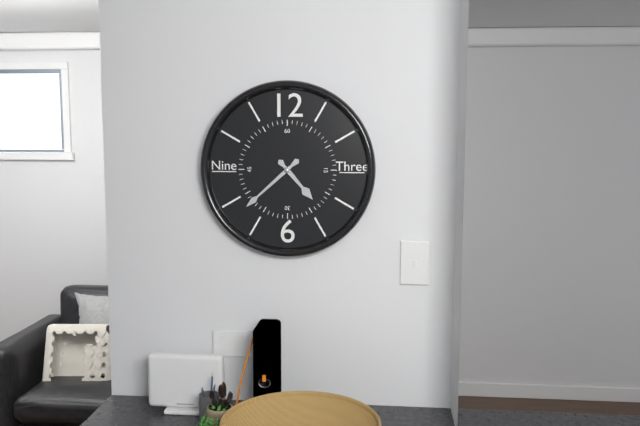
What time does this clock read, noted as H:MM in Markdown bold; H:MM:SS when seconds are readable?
**4:38**
